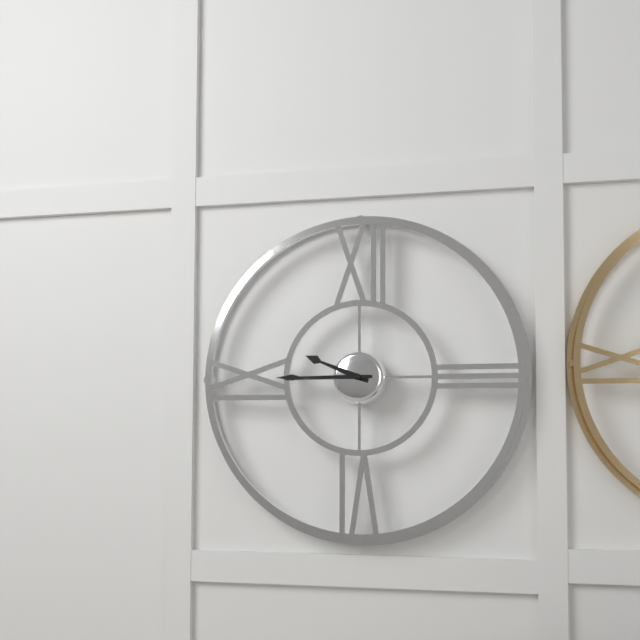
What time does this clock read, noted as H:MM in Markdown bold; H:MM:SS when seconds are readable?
**9:45**
